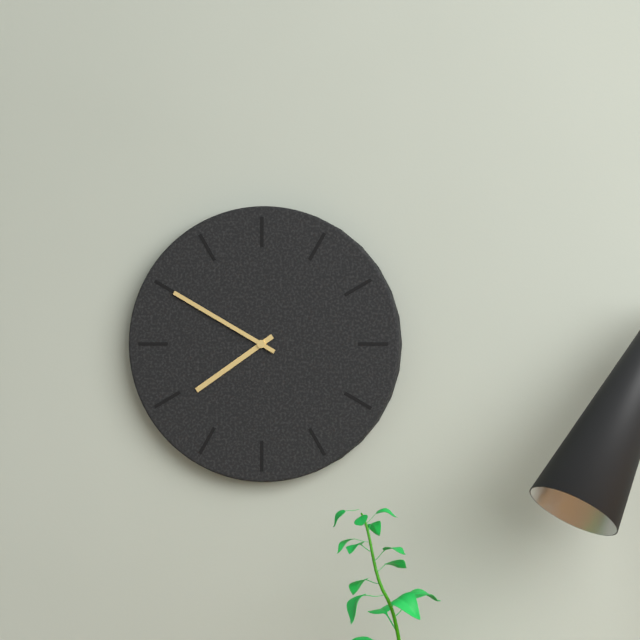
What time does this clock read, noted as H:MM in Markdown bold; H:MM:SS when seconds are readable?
**7:50**
